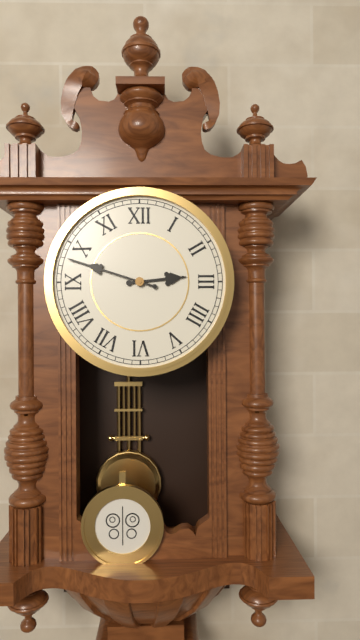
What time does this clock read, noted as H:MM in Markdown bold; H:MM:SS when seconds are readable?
**2:48**
